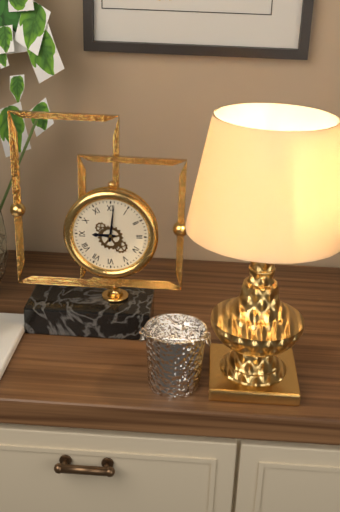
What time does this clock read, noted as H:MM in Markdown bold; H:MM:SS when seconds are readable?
**9:01**
